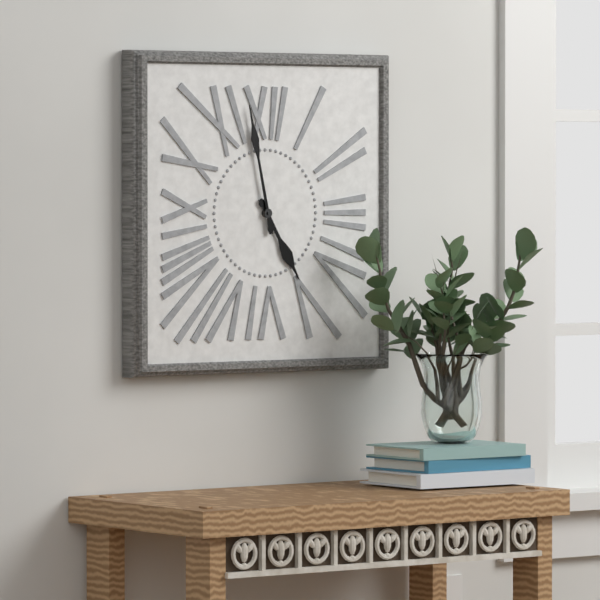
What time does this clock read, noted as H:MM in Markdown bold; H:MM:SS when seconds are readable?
**4:58**
